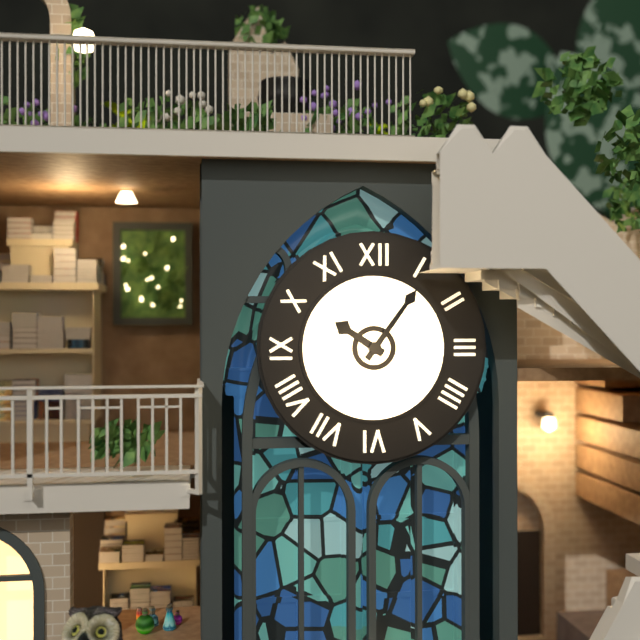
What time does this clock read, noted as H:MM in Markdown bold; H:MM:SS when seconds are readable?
**10:06**
